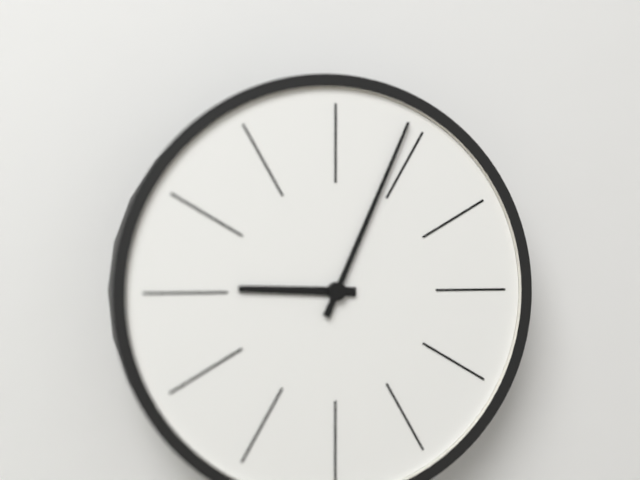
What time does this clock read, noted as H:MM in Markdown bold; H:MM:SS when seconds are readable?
**9:04**
